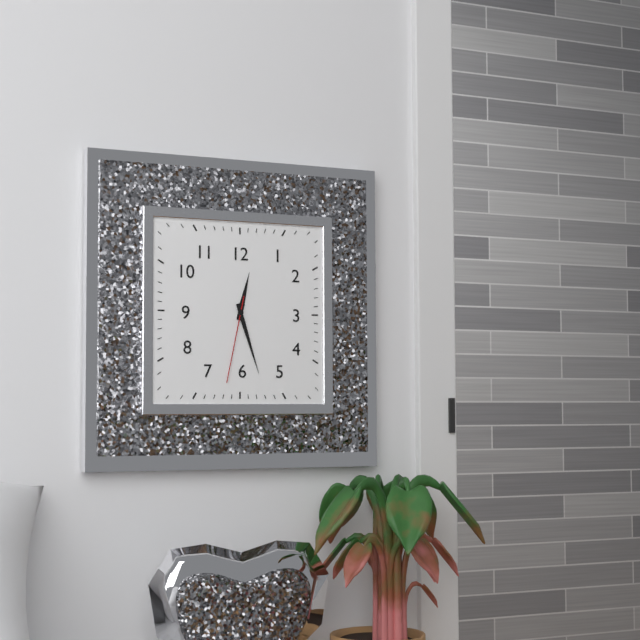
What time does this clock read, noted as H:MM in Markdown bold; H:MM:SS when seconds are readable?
**12:27:32**
